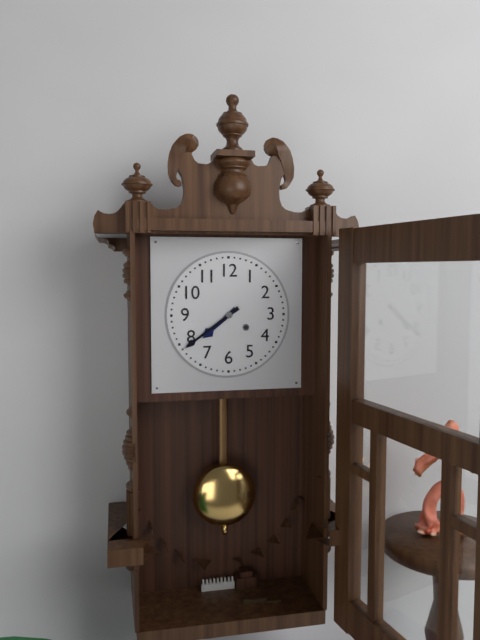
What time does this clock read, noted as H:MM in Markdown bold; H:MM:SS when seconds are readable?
**7:39**
